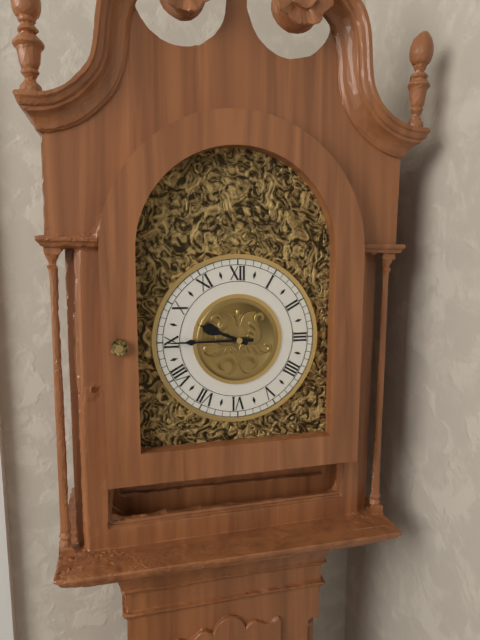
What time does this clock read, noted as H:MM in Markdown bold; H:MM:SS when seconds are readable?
**9:45**
